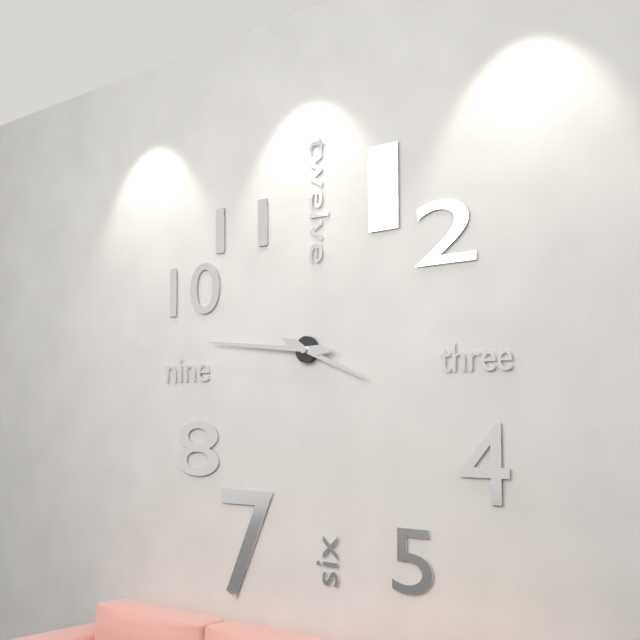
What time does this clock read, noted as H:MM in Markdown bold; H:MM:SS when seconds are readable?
**3:46**
